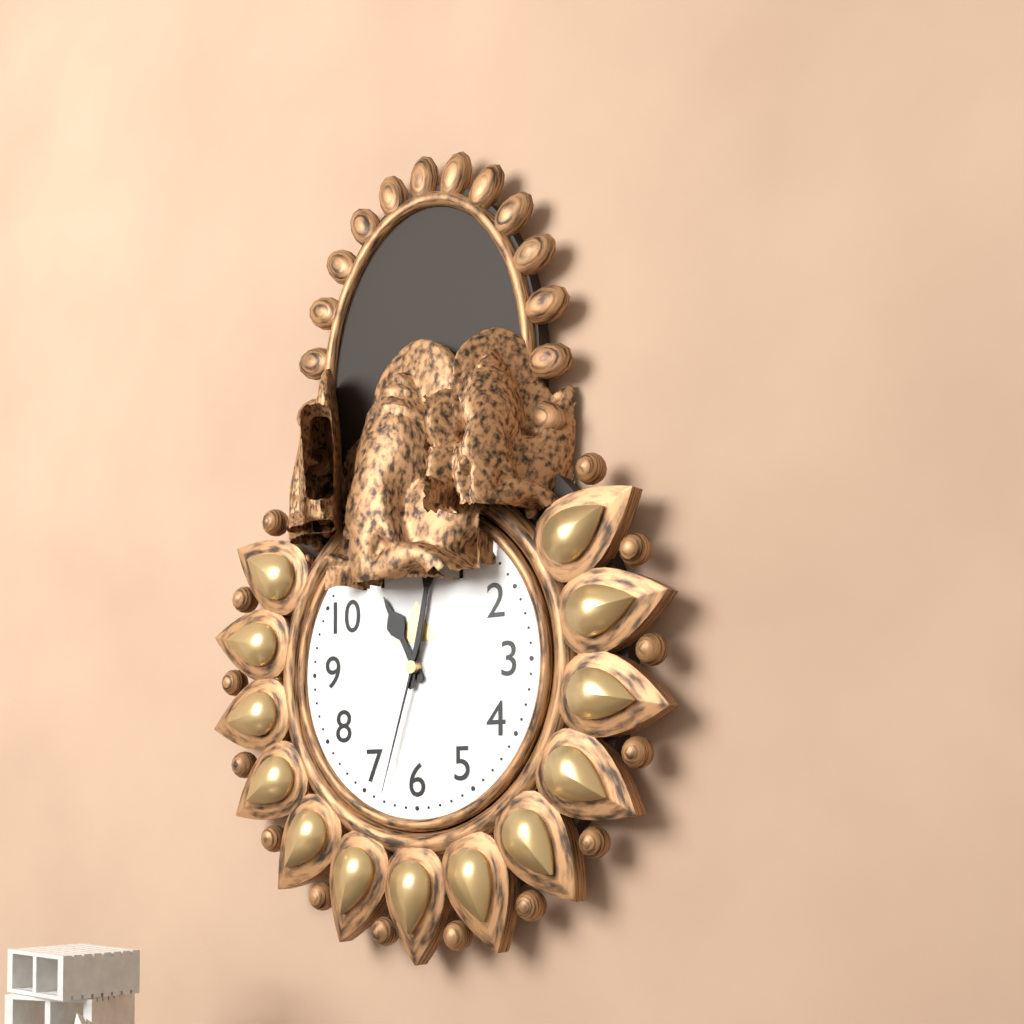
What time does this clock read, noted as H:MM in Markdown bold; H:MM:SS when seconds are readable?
**11:02:33**
